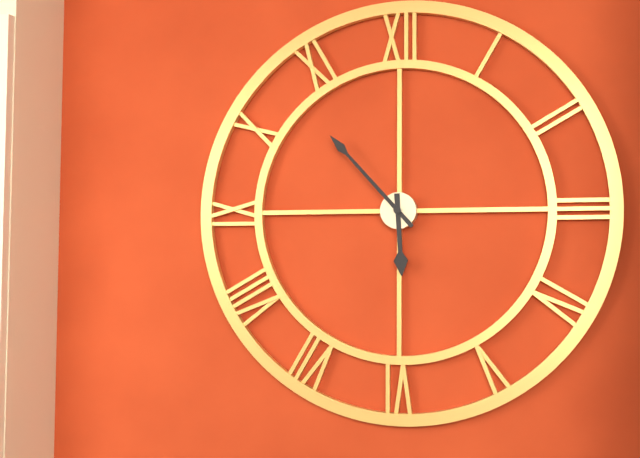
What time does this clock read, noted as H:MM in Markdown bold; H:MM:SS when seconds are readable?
**5:53**
